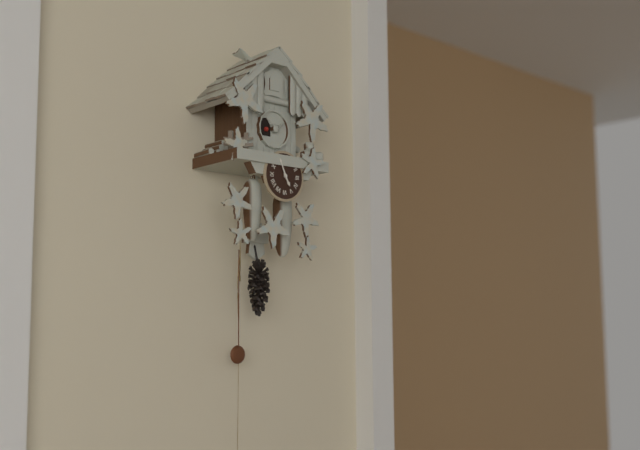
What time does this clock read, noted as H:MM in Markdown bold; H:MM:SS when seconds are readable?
**4:56**
